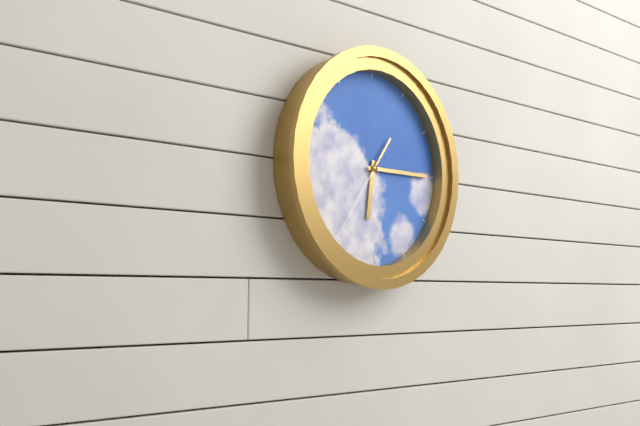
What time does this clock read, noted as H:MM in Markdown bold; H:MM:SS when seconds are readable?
**6:15:36**
